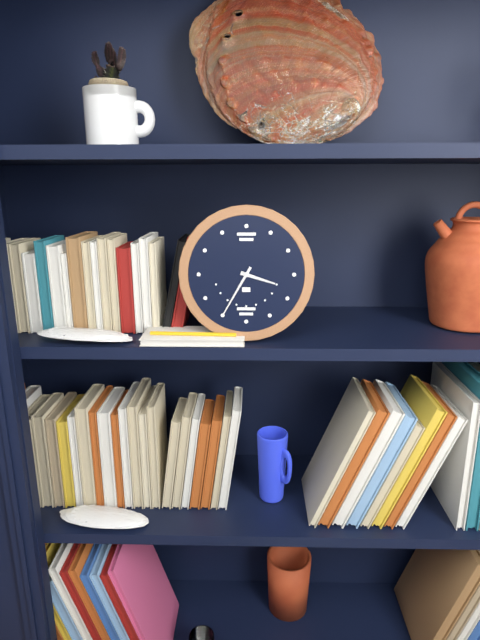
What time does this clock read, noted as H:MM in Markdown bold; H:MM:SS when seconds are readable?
**3:35**
